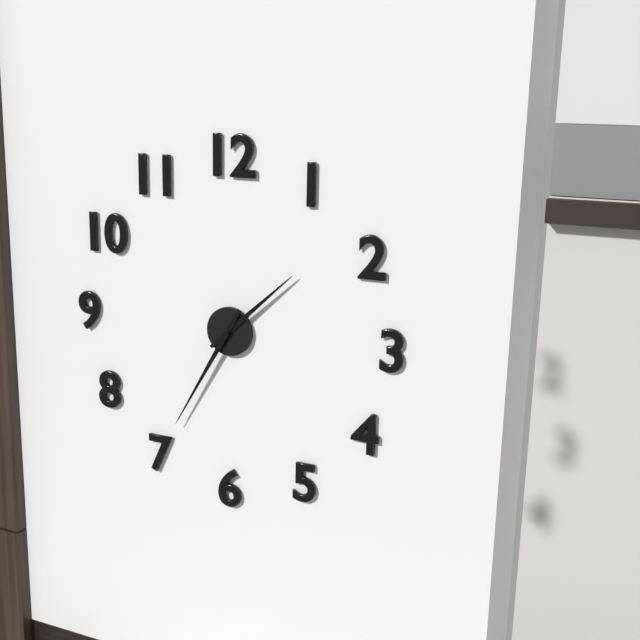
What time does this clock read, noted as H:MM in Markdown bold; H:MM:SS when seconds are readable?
**1:35**
